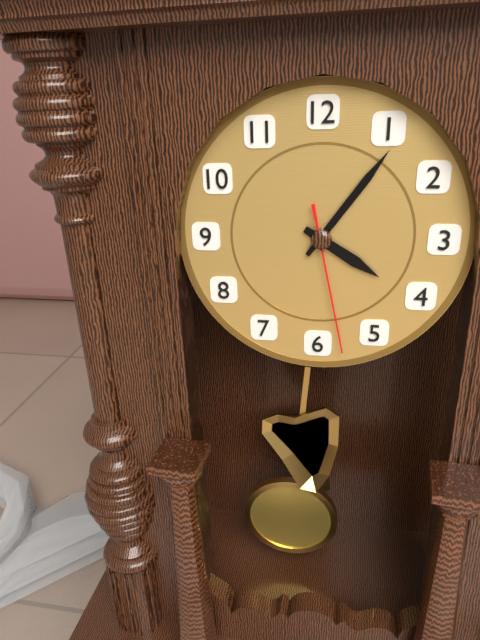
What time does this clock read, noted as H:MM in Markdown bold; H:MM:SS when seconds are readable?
**4:06:28**
